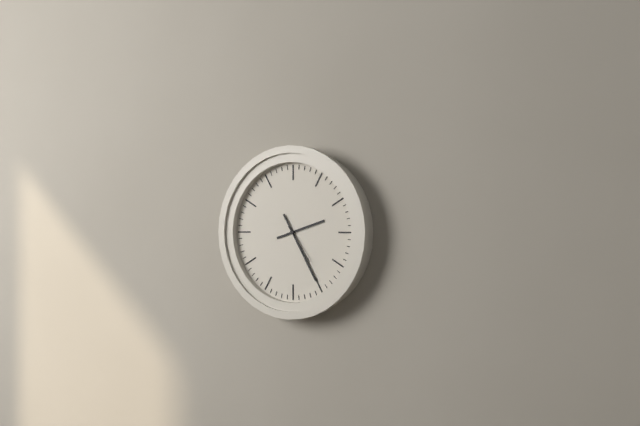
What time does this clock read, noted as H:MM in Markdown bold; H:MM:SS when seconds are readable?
**2:25**
